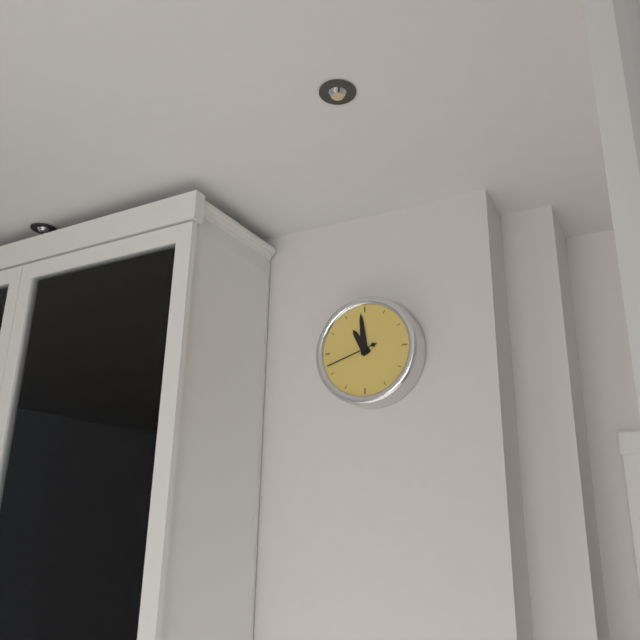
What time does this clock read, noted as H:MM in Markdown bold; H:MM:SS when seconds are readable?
**10:59:42**
